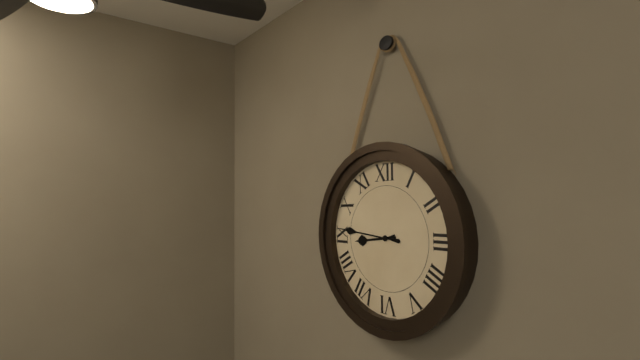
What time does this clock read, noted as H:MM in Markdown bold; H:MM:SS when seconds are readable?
**8:46**
